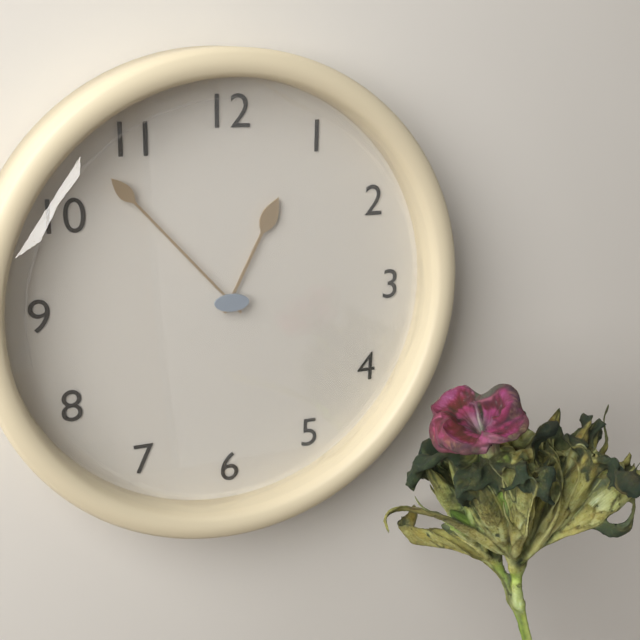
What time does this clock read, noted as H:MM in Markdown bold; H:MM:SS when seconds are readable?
**12:53**
